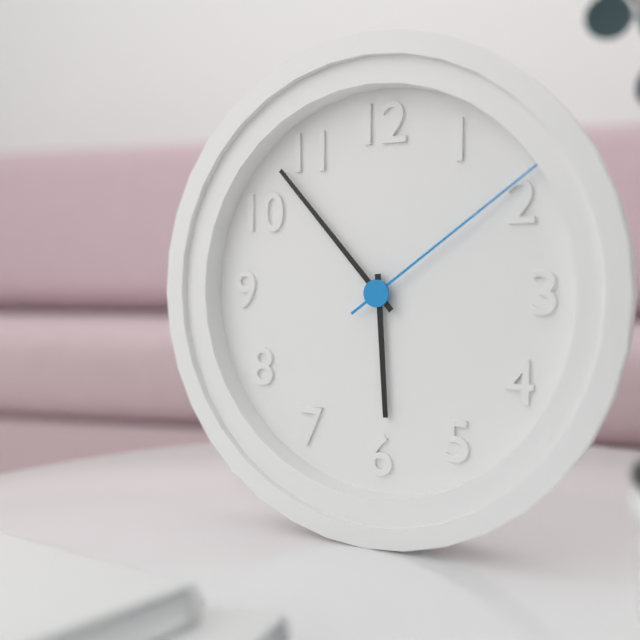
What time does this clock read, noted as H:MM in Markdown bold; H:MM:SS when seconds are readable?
**5:53:09**
